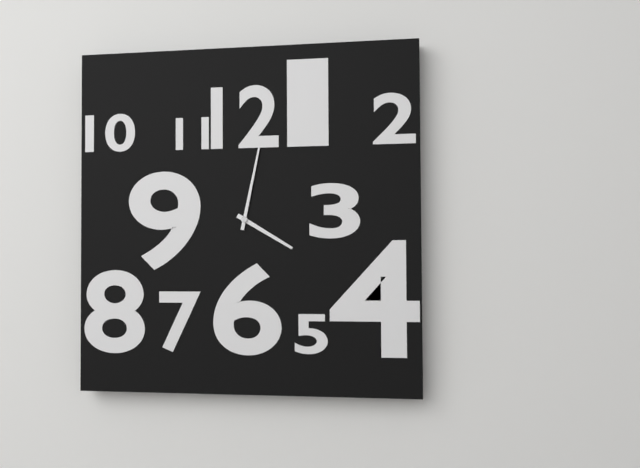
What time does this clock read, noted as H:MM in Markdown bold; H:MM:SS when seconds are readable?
**4:02**
